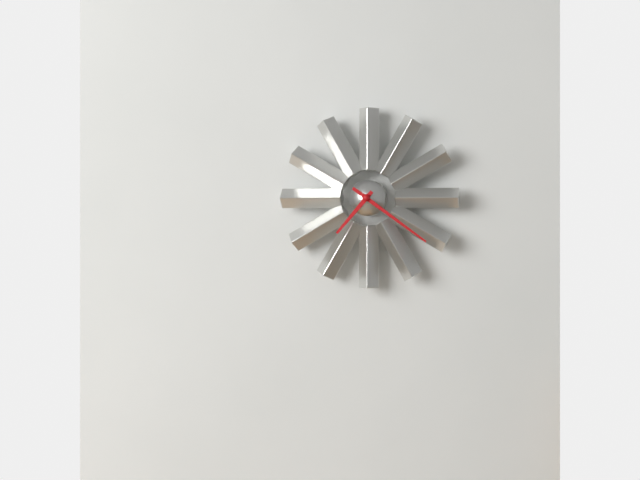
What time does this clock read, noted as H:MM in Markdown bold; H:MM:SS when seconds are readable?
**7:21**
